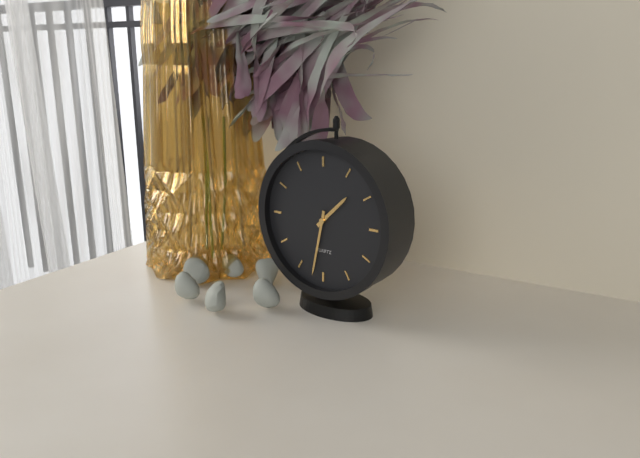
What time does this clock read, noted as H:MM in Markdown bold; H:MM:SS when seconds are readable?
**1:32**
